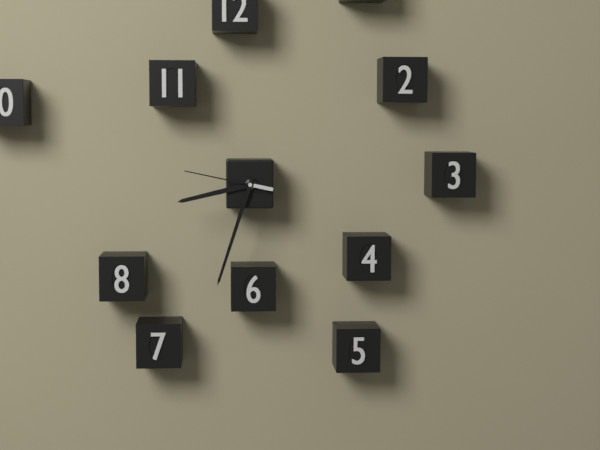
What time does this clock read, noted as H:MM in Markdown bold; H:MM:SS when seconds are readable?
**8:33:47**
